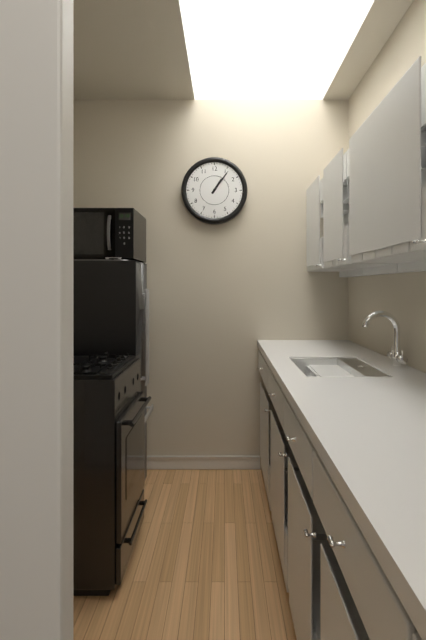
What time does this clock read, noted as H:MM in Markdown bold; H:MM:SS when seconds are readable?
**1:06**
